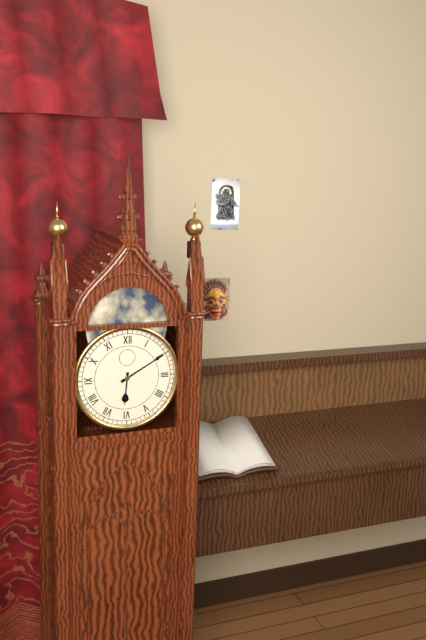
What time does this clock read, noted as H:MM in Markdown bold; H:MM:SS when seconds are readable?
**6:10**
